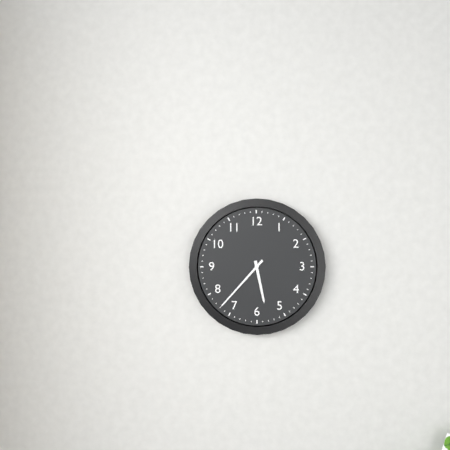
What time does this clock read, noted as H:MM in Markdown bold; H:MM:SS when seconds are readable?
**5:37**
